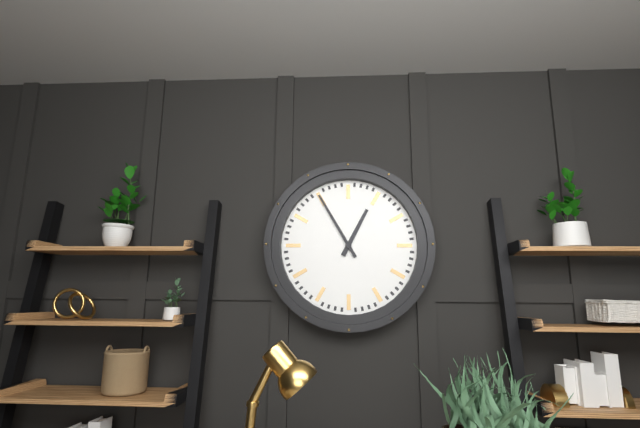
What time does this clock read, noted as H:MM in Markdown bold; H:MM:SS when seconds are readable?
**12:55**
